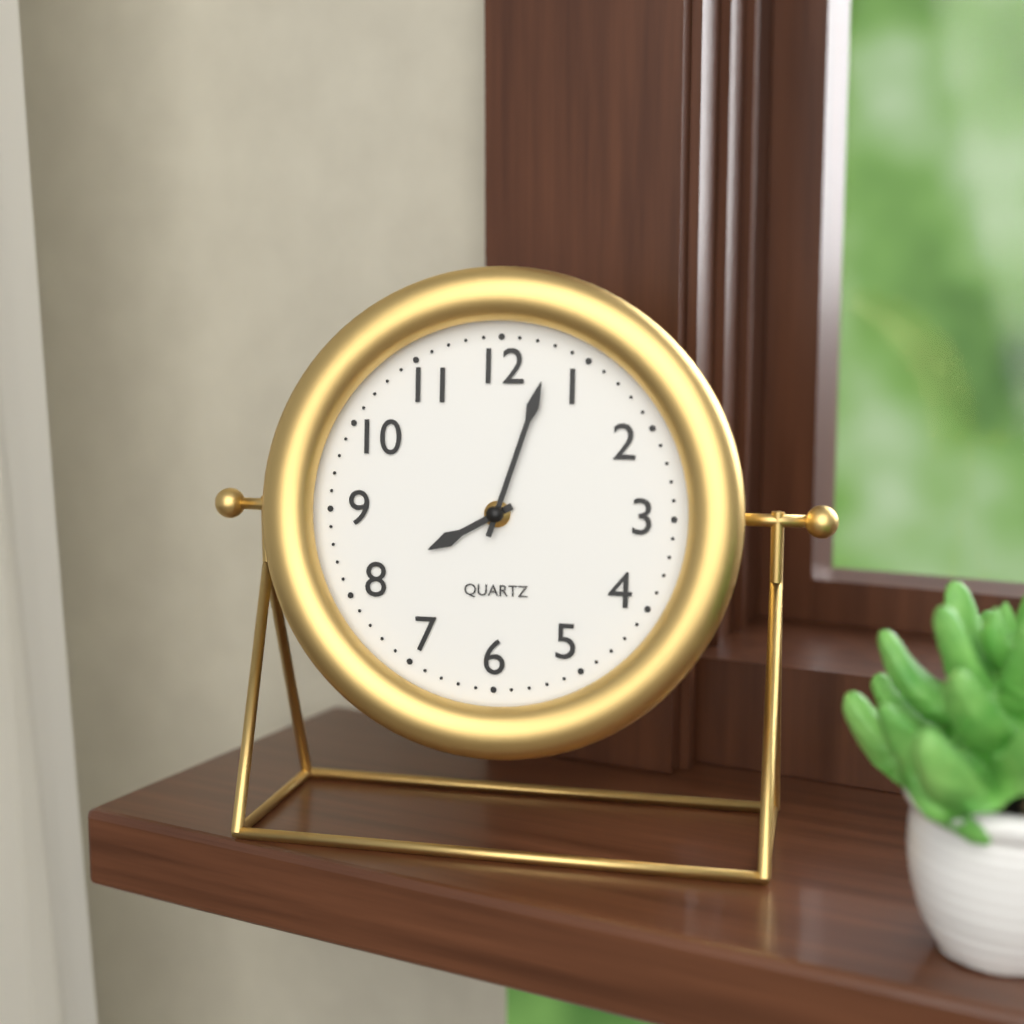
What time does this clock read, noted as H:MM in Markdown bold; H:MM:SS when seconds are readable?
**8:03**
